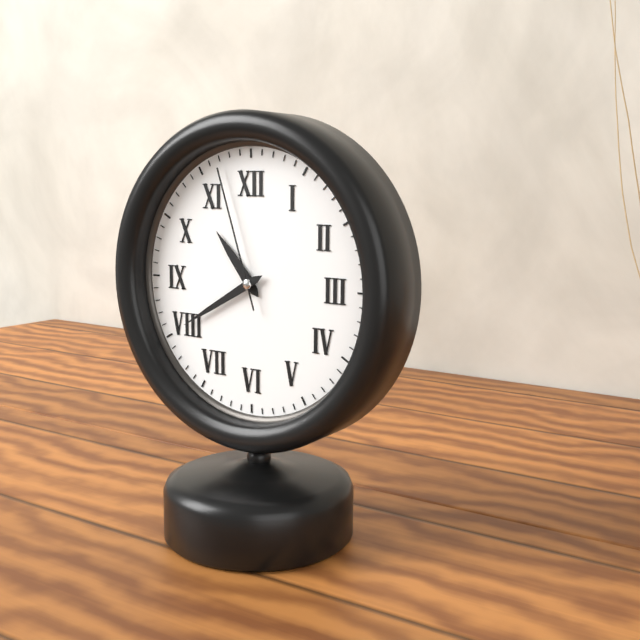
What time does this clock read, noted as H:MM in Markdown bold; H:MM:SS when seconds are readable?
**10:40:57**
